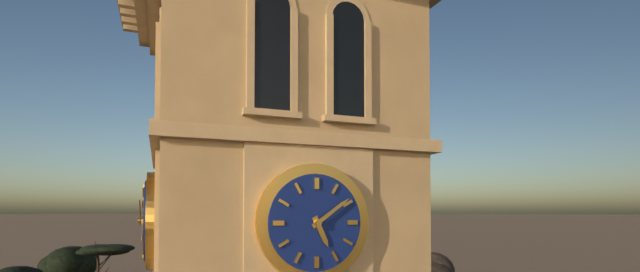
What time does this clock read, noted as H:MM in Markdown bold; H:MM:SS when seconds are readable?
**5:09**
